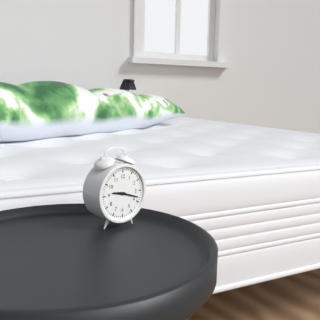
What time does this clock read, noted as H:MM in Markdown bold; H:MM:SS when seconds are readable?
**9:18**
